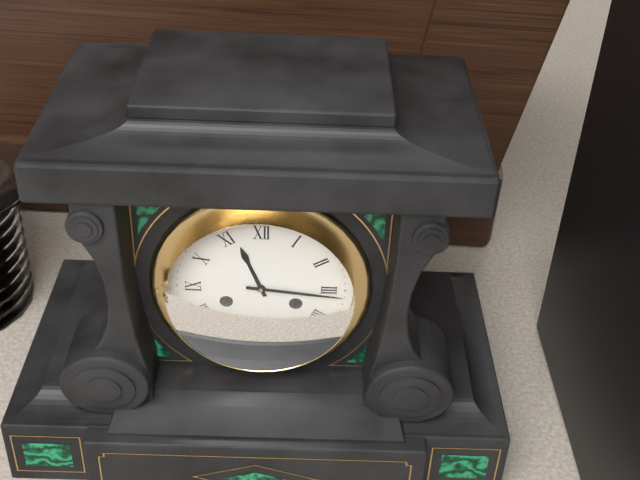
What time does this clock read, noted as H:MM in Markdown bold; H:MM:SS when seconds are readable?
**11:16**
